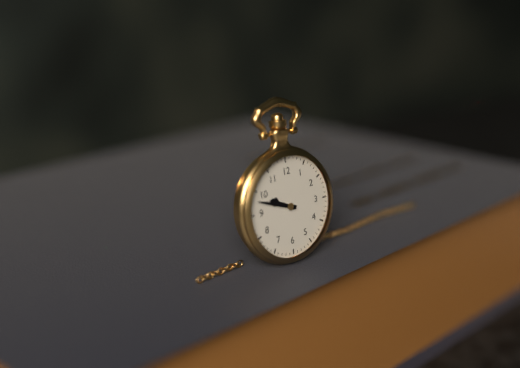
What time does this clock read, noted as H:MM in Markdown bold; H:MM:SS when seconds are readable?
**9:48**
